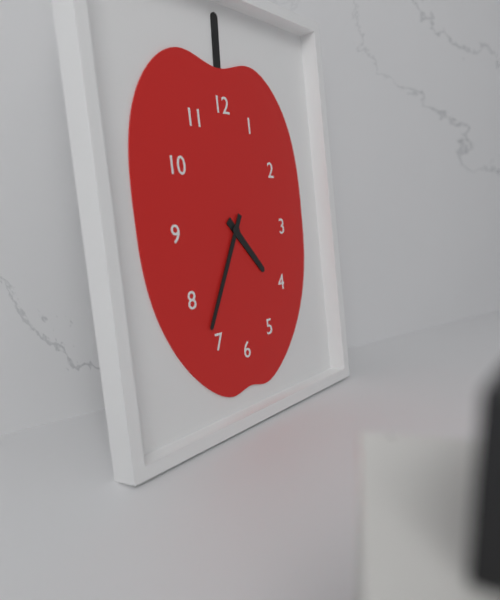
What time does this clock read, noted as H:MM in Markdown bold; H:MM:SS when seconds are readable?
**4:35**
